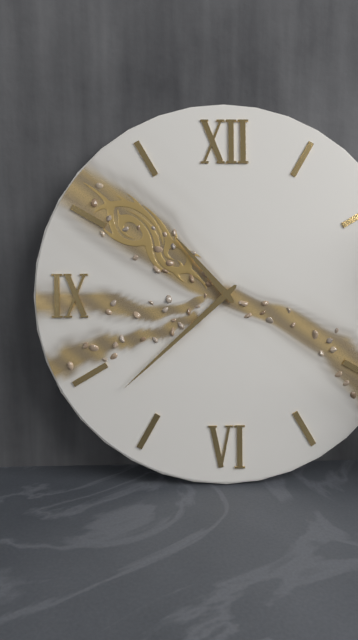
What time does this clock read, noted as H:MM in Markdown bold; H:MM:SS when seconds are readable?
**10:38**
